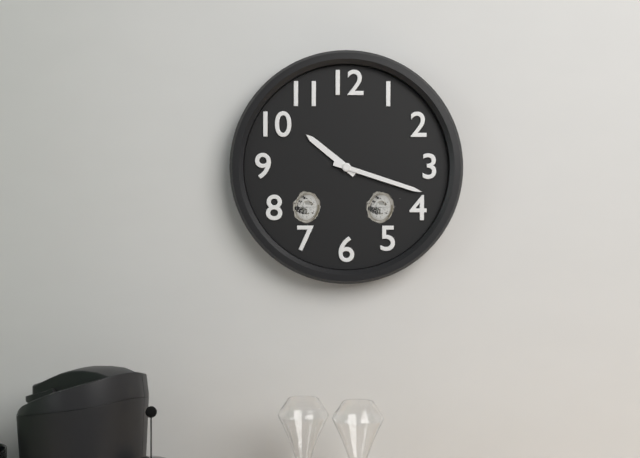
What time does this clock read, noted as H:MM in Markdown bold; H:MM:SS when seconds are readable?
**10:18**
